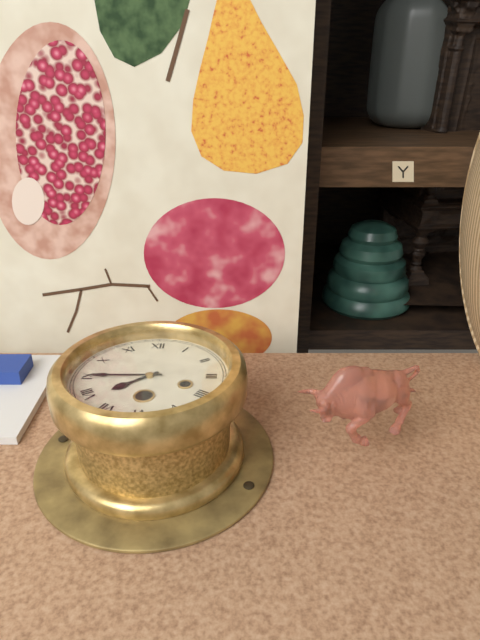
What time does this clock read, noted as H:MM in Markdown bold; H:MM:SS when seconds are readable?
**7:45**
